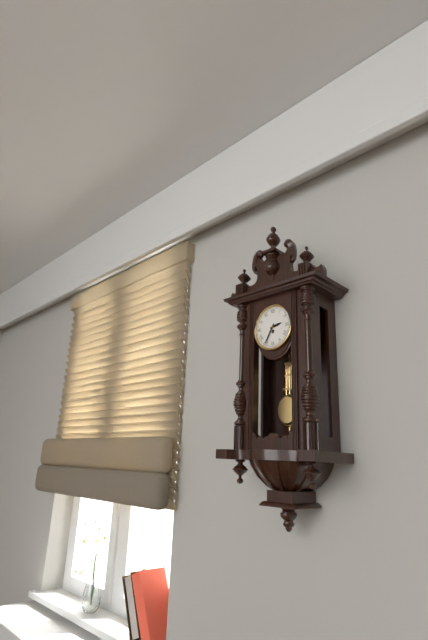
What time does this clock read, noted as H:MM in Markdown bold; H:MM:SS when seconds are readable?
**2:35**
